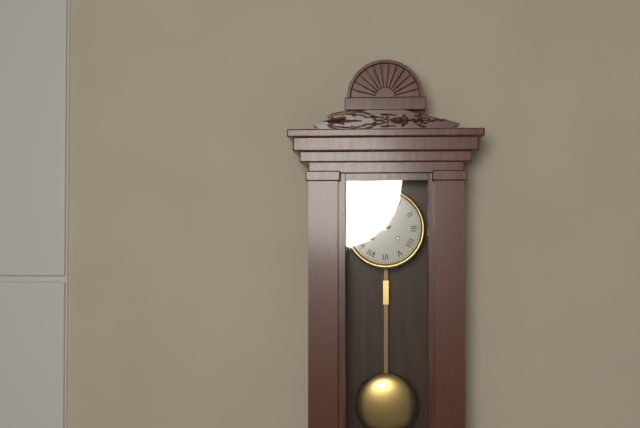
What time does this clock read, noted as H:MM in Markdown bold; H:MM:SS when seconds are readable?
**8:41**
